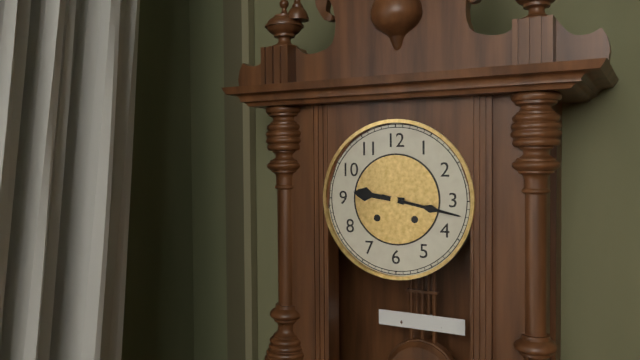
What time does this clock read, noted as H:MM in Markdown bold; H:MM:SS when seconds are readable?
**9:17**
